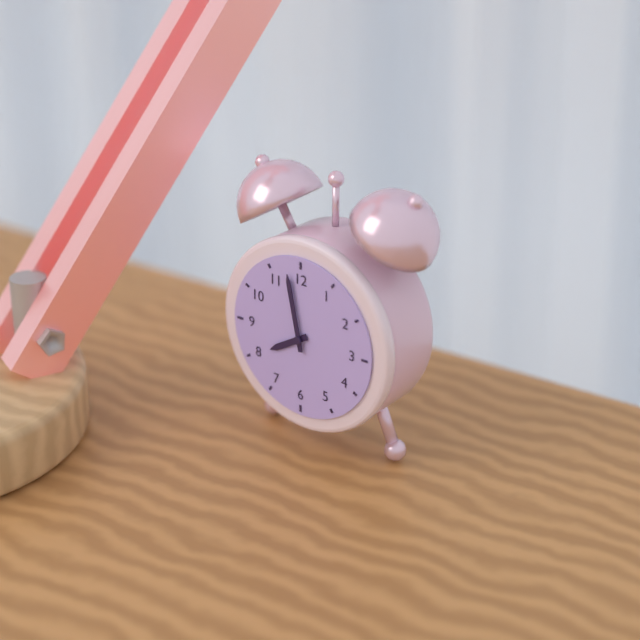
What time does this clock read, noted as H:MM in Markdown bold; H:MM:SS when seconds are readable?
**7:58**
